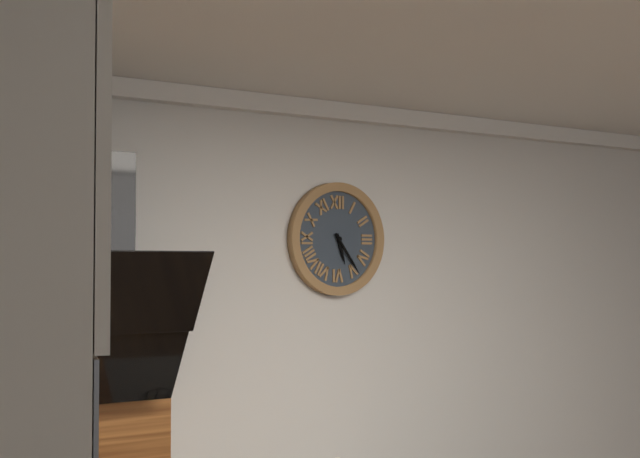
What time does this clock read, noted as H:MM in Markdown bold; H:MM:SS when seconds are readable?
**5:24**
